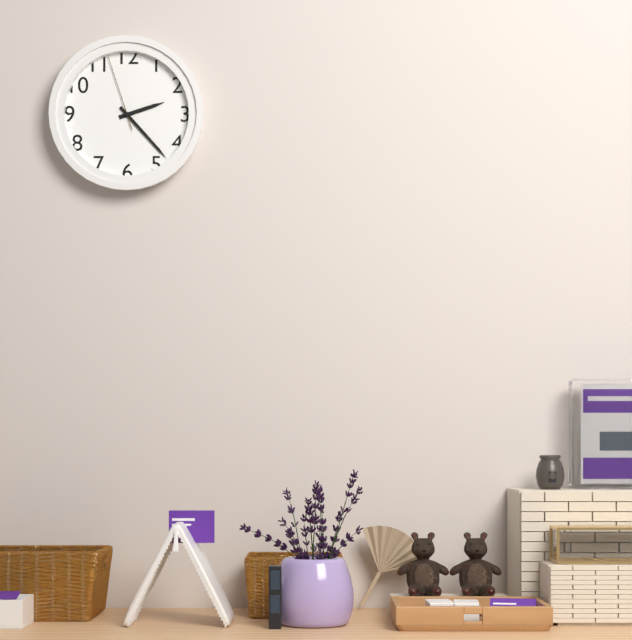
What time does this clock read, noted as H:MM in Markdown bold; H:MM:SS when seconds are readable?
**2:23:57**
